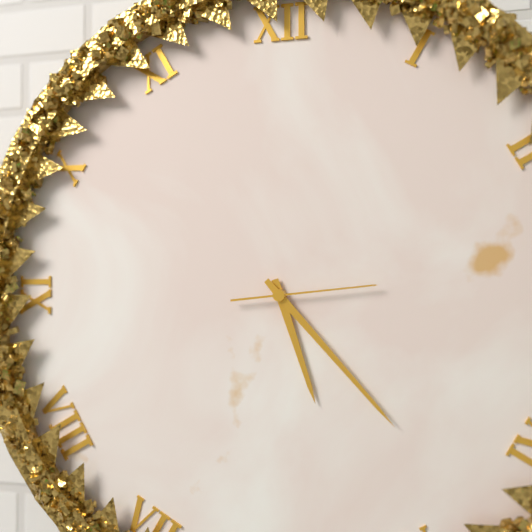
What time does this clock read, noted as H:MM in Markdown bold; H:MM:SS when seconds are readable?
**5:23:14**
